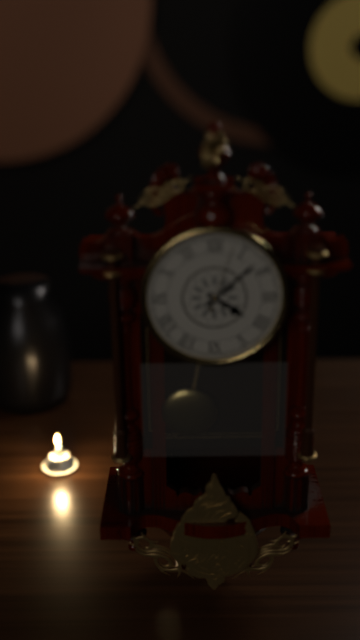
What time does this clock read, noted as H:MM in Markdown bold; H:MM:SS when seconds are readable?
**4:08:03**
